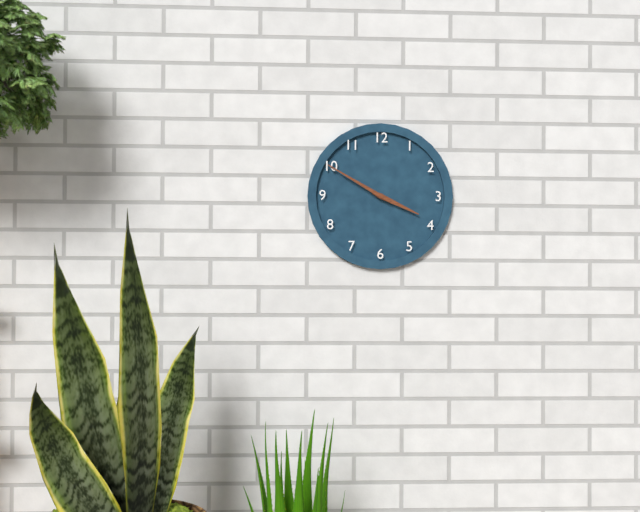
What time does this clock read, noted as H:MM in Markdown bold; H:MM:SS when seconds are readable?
**3:50**
